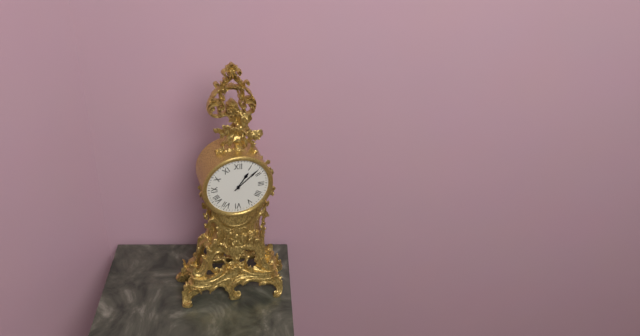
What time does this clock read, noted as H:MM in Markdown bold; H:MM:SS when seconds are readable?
**1:08**
